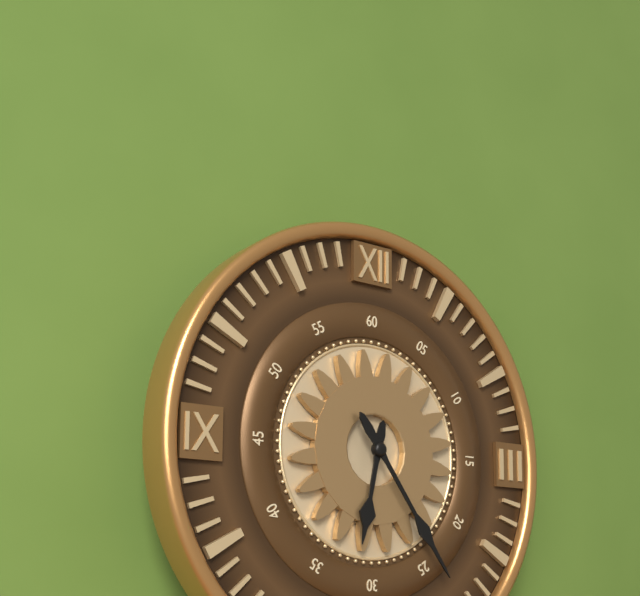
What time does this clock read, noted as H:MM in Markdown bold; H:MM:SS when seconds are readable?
**6:24**
